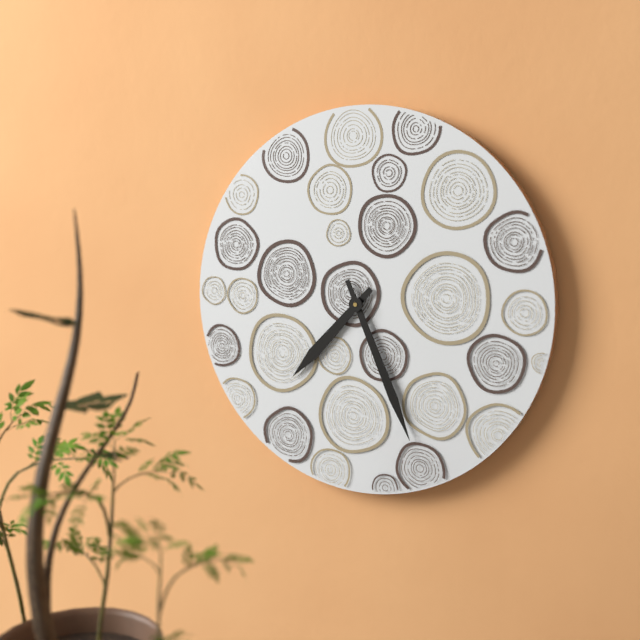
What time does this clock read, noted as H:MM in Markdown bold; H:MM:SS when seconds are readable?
**7:26**
